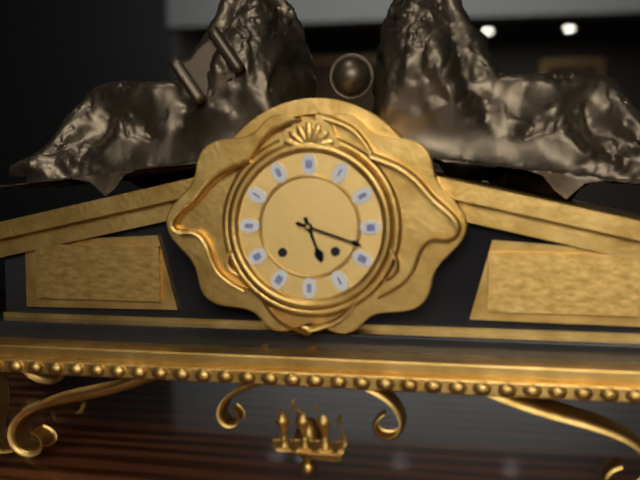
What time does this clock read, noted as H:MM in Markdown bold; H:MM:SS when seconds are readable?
**5:18**
